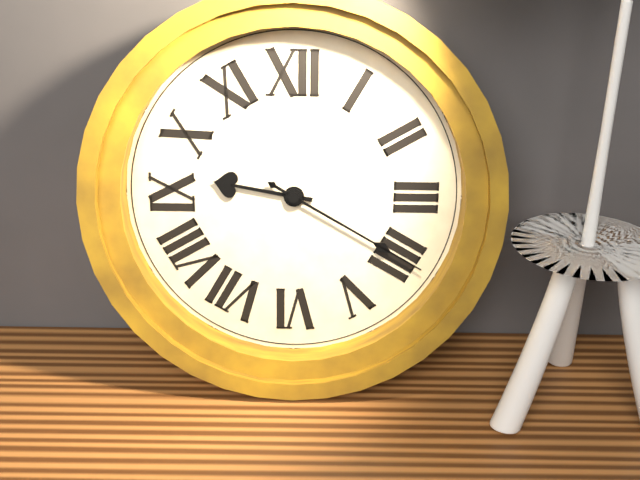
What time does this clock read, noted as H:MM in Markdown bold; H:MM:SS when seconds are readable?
**9:20**
